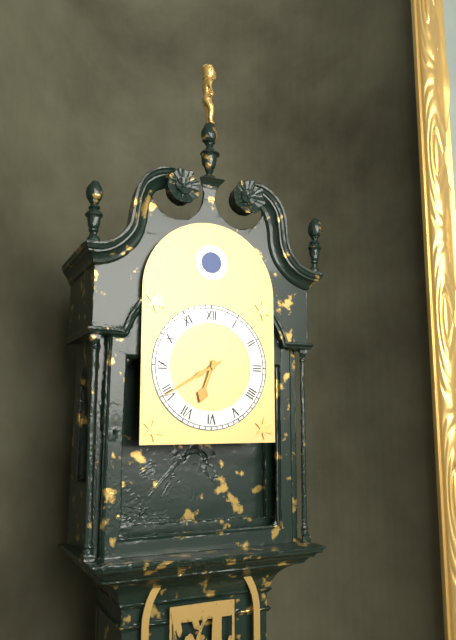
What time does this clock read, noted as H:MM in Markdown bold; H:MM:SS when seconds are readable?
**6:40**
